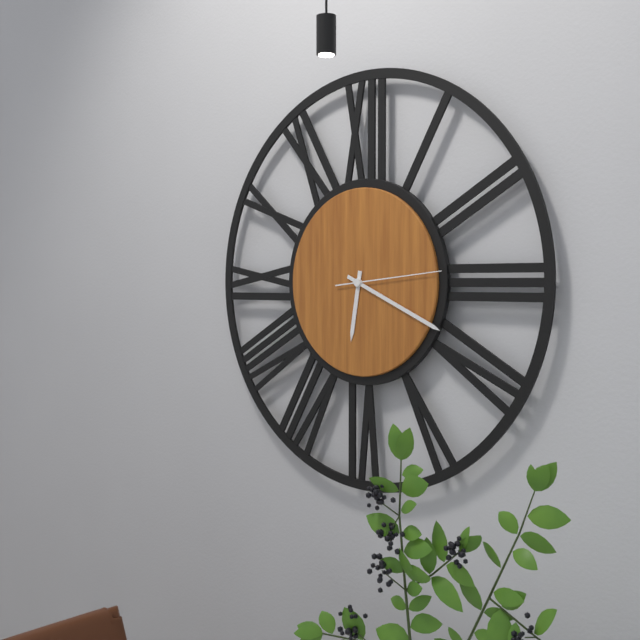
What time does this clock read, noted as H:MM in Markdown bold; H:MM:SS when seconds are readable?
**6:19:14**
